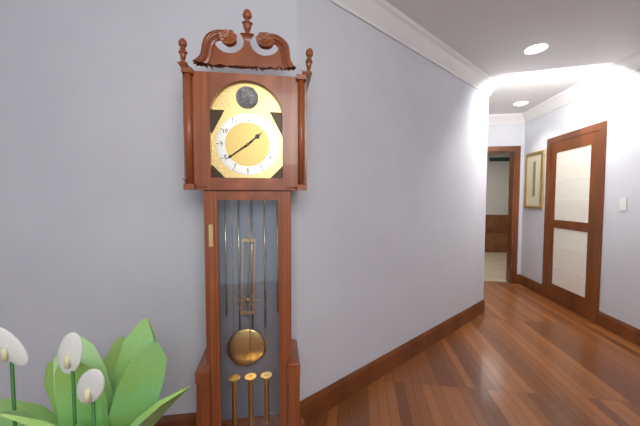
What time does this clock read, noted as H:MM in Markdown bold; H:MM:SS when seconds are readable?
**1:39**
